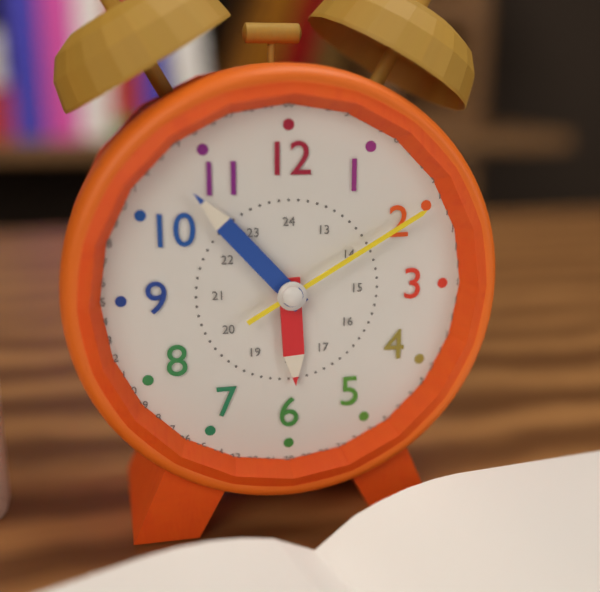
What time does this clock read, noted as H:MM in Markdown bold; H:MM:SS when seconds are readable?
**5:53:10**
